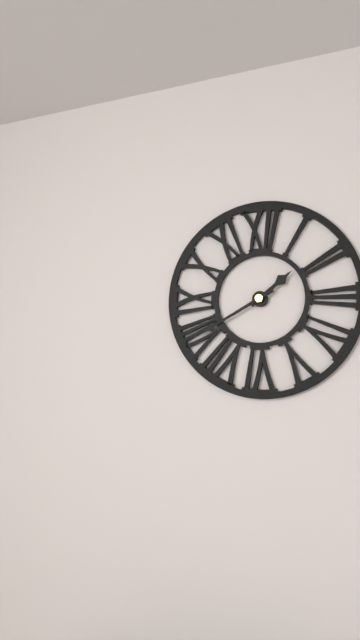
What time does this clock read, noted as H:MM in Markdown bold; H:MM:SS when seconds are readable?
**1:40**
